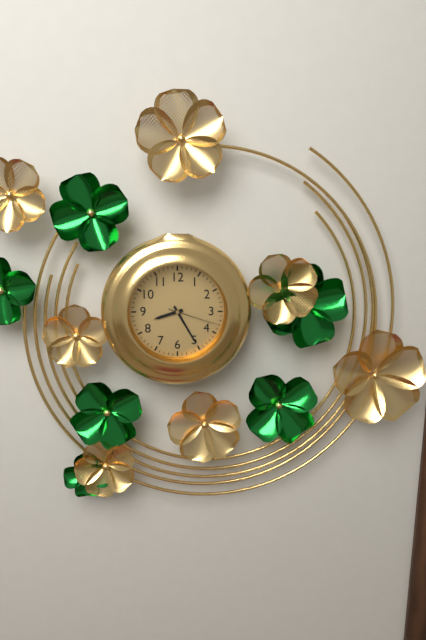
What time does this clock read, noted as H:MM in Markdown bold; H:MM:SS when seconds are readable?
**8:25:18**
